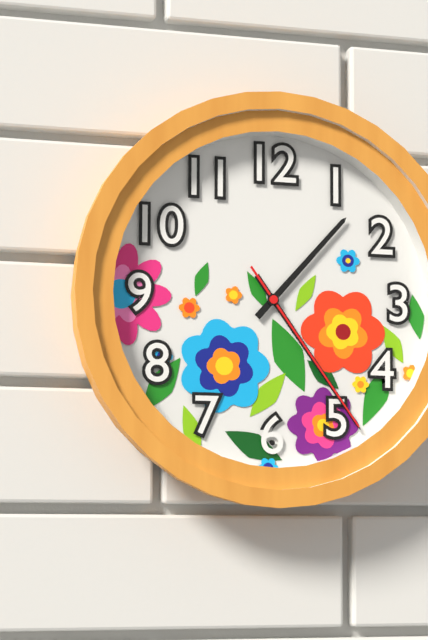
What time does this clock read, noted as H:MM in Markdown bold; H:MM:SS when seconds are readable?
**1:24:24**
